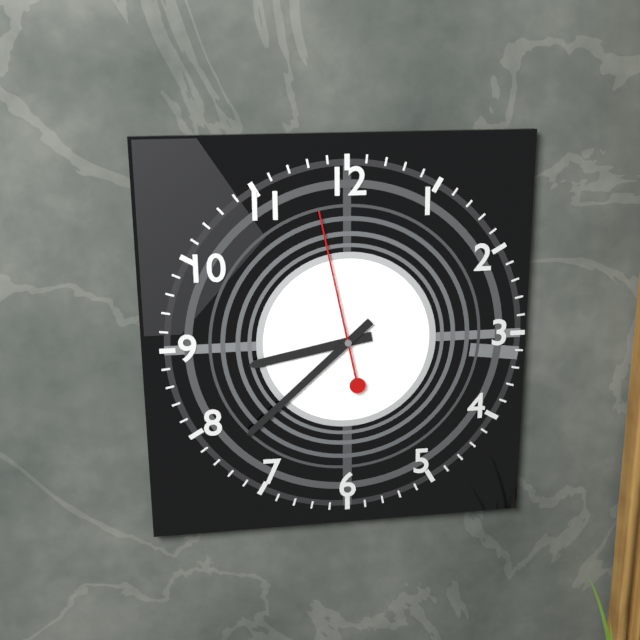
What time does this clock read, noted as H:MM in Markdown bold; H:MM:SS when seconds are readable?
**8:38:58**
